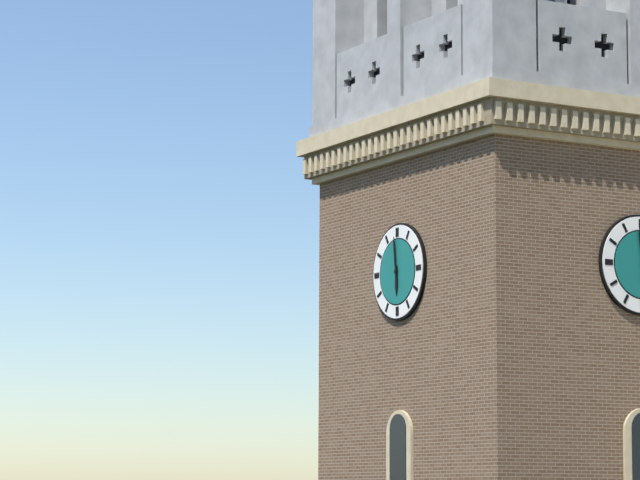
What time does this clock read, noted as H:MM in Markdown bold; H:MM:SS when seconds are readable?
**5:59**
